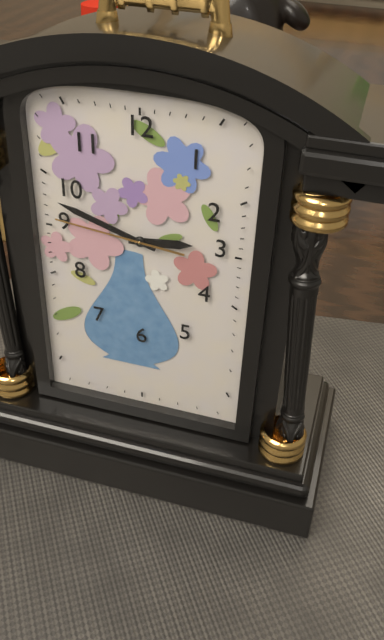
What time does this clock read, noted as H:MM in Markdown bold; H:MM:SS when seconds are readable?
**2:48:46**
